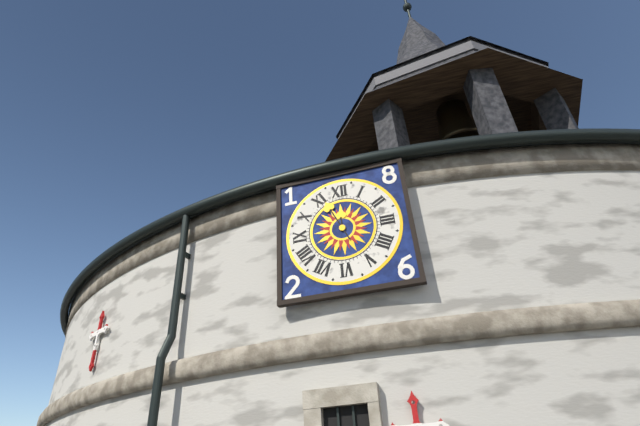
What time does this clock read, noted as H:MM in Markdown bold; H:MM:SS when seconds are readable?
**11:56**
